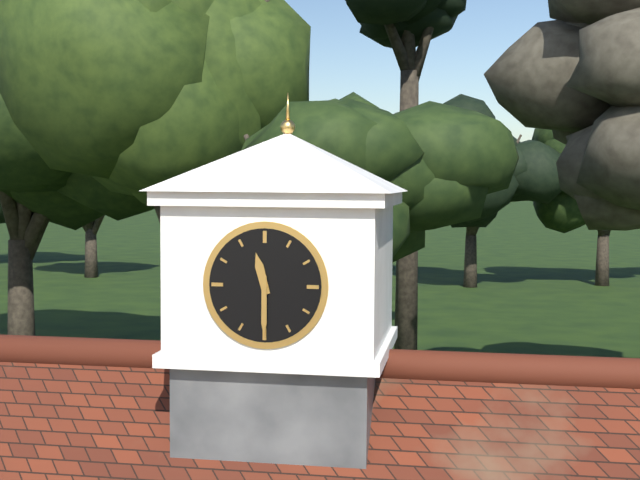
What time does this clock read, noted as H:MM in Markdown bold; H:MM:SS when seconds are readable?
**11:30**
